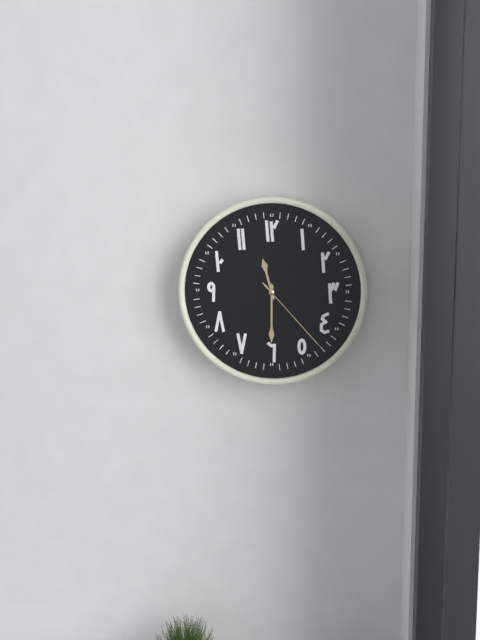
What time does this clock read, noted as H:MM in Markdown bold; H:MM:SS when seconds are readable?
**11:30:23**
